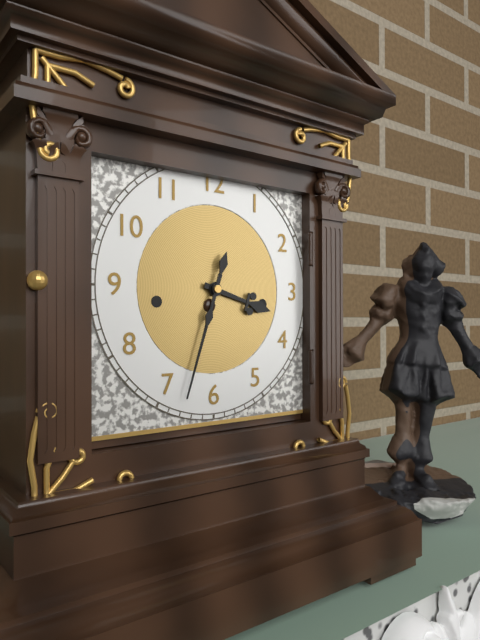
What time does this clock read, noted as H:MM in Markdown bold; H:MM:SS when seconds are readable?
**3:33**
